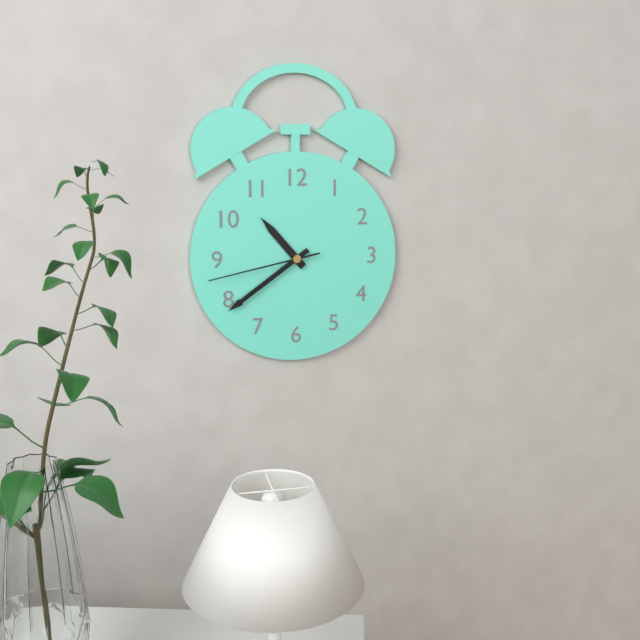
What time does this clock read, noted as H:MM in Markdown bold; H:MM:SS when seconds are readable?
**10:39:43**
